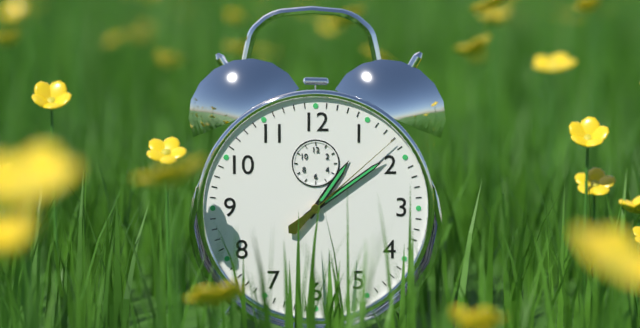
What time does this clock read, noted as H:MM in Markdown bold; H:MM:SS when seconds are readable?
**1:09:08**
